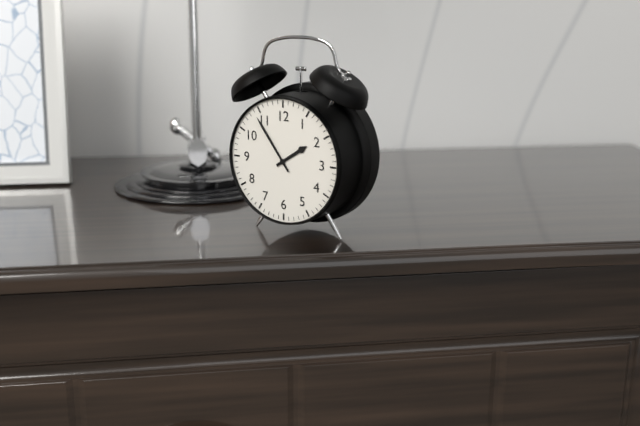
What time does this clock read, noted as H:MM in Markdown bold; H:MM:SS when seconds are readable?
**1:54**
